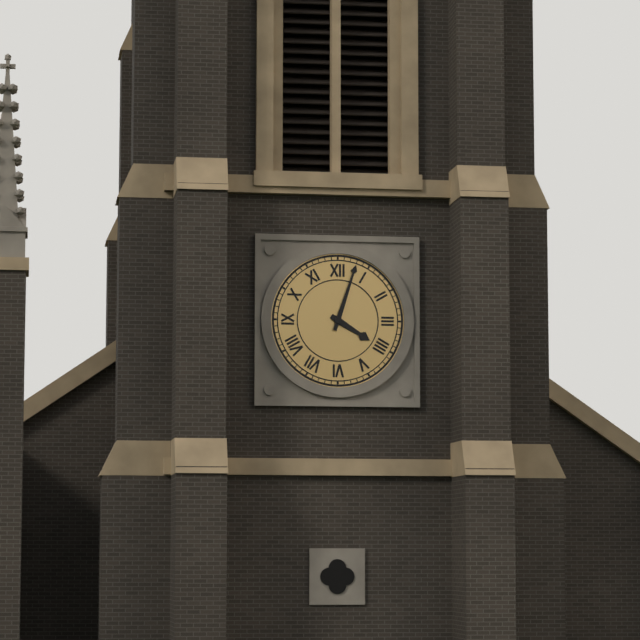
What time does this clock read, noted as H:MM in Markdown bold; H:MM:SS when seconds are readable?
**4:03**
